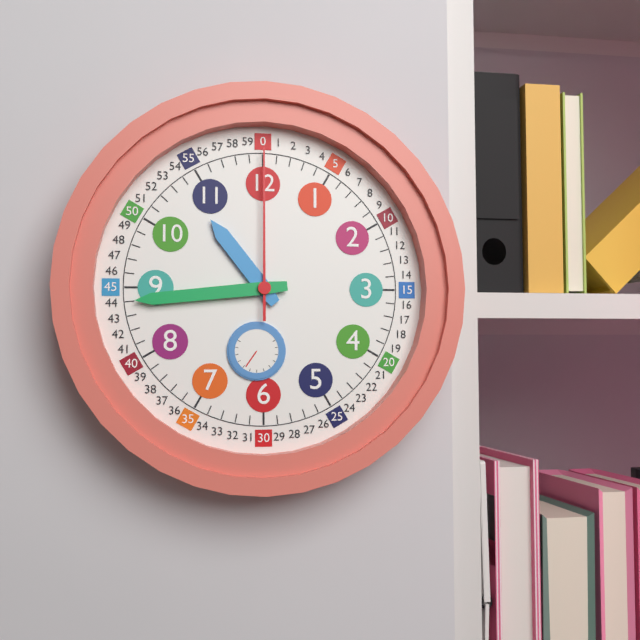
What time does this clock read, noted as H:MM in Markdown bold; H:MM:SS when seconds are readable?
**10:44:00**
